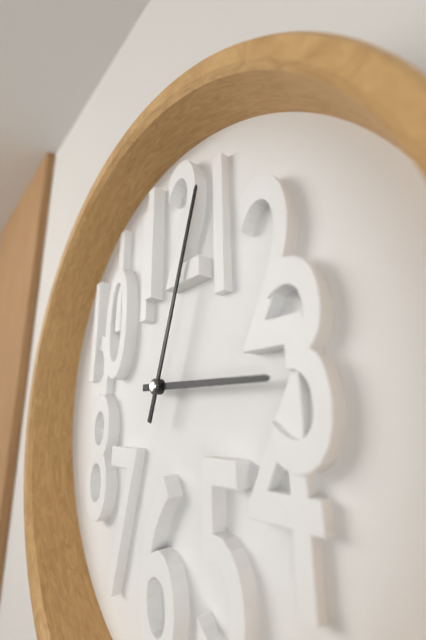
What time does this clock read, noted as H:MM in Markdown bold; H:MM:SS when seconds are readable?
**3:03**
